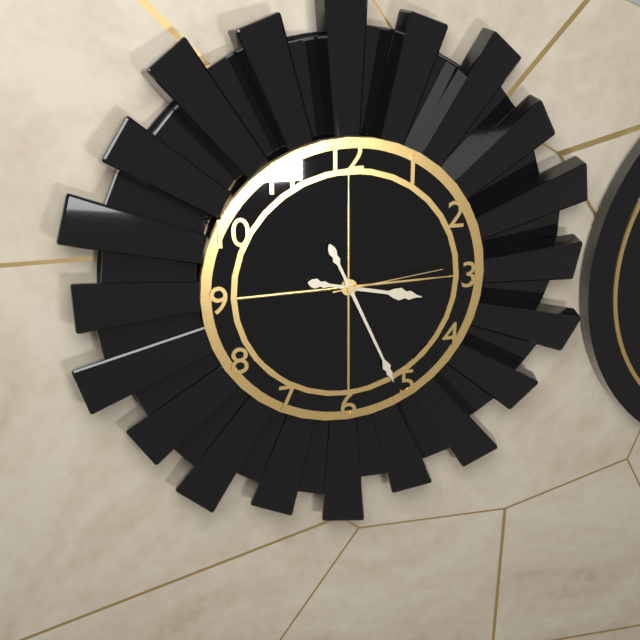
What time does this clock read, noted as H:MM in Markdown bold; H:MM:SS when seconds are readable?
**3:26:14**
